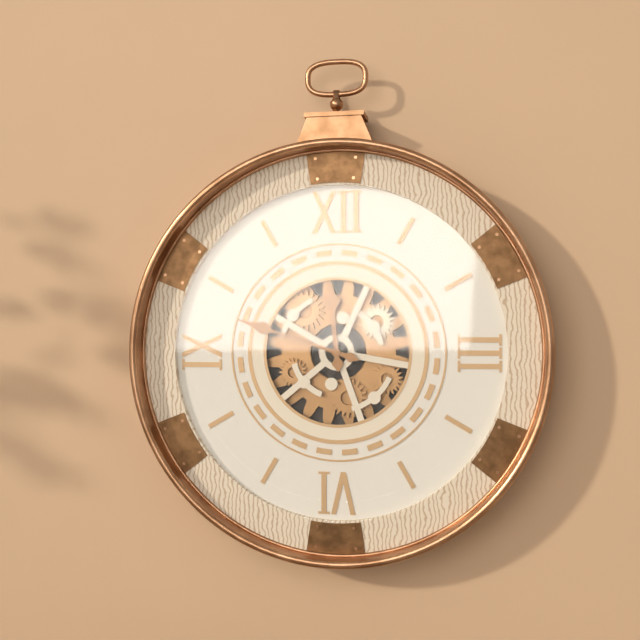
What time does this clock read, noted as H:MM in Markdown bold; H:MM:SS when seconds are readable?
**11:48**
